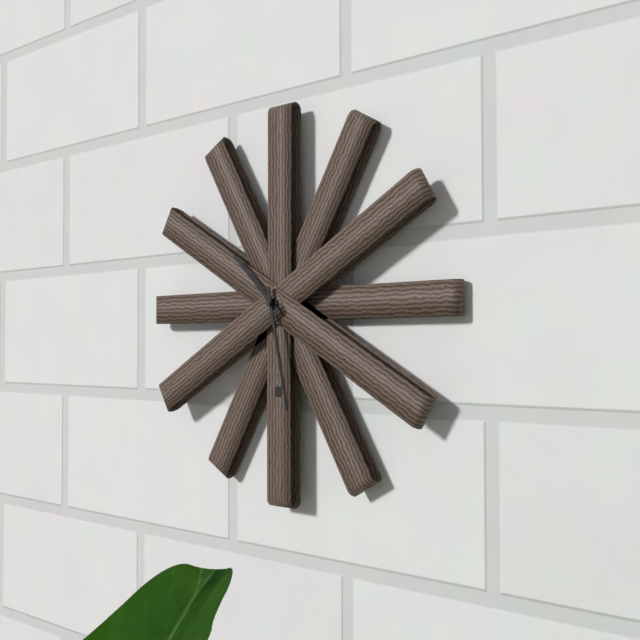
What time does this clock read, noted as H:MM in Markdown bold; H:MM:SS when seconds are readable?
**10:28**
